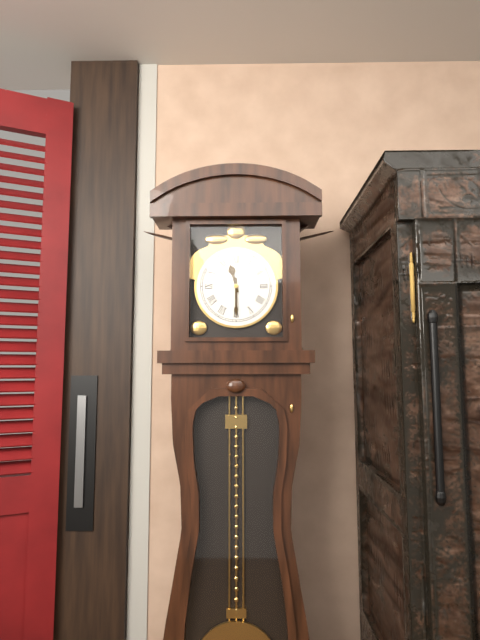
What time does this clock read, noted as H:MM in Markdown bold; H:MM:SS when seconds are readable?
**11:30**
